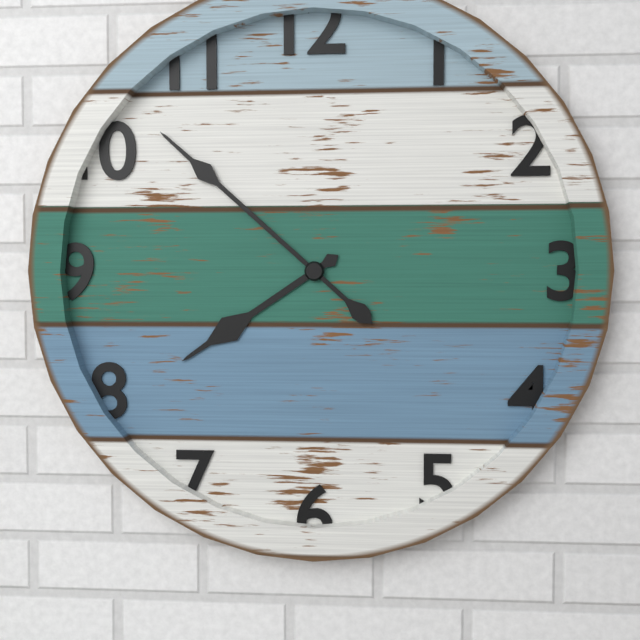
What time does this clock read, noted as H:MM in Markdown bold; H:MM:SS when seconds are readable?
**7:52**
